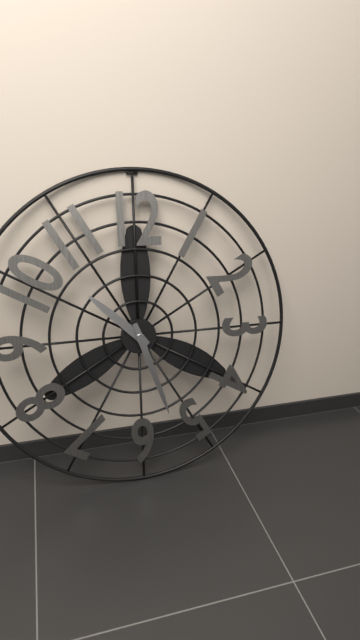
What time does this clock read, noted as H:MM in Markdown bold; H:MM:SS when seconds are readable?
**10:27**
